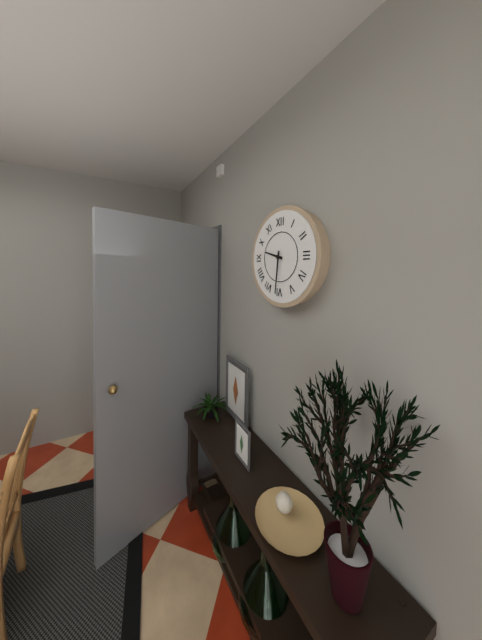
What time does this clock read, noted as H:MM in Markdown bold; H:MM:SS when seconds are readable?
**9:31**
